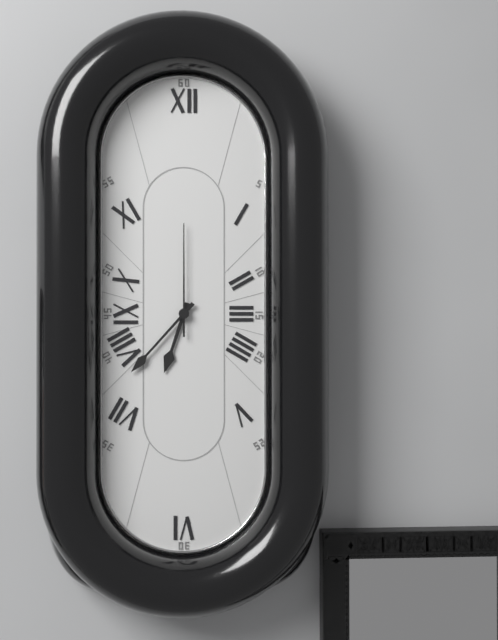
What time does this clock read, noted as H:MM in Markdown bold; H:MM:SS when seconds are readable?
**6:37:00**
